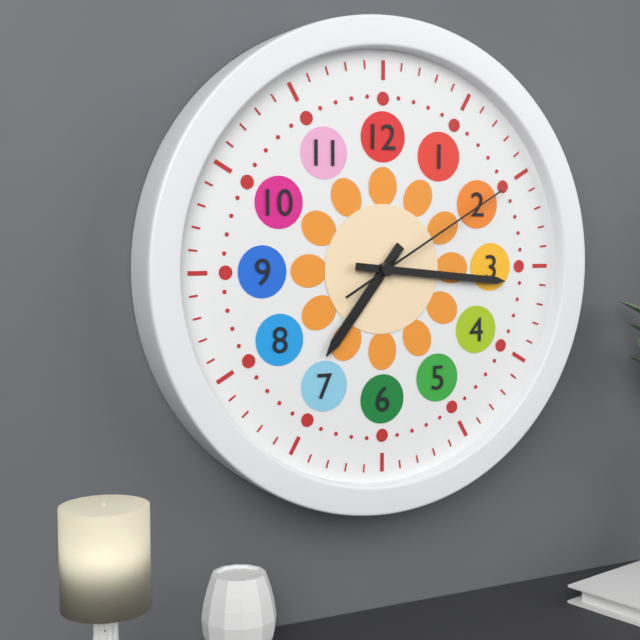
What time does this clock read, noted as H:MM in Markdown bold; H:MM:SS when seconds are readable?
**7:16:10**
